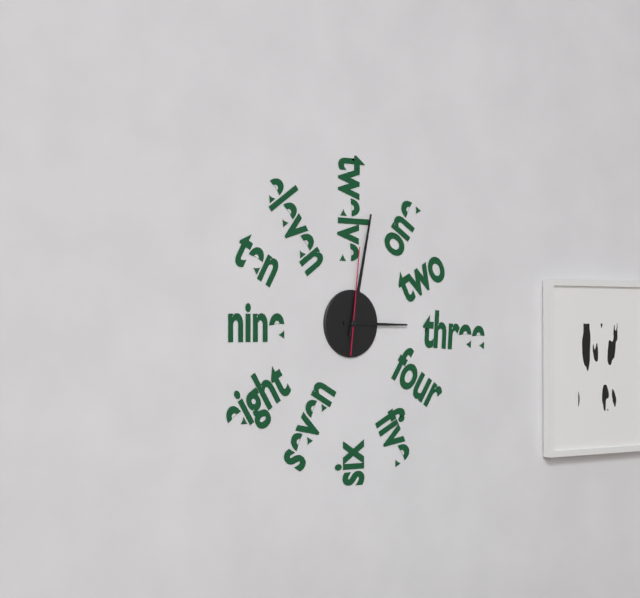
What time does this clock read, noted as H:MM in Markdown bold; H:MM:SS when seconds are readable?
**3:02:01**
